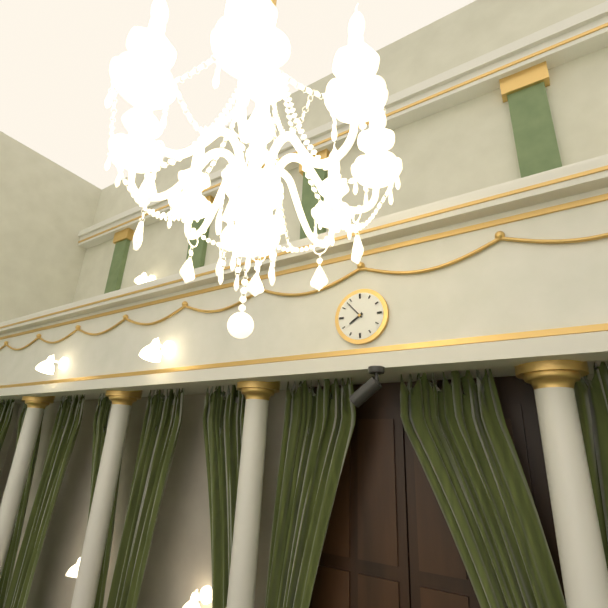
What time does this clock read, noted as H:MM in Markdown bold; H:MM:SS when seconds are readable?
**7:53**
